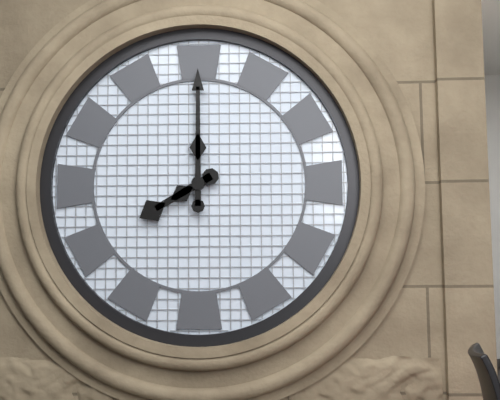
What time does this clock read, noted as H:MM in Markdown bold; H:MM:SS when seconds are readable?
**8:00**
